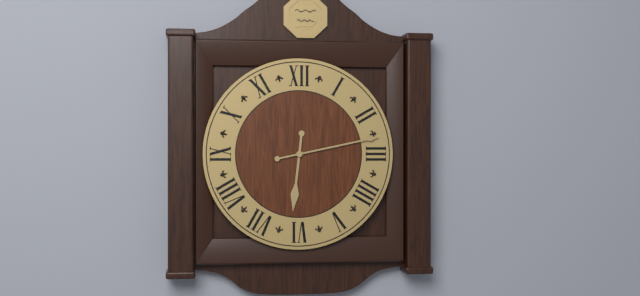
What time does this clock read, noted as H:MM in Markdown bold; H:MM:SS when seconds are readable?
**6:13**
